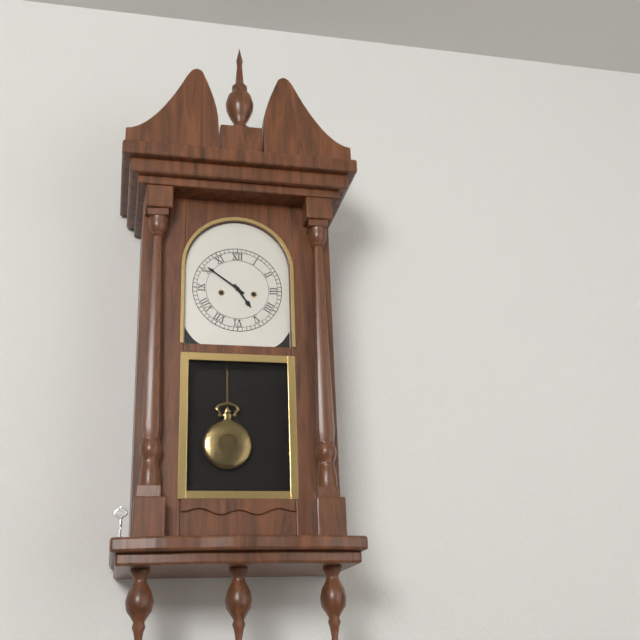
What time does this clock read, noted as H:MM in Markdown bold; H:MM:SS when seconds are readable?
**4:51**
